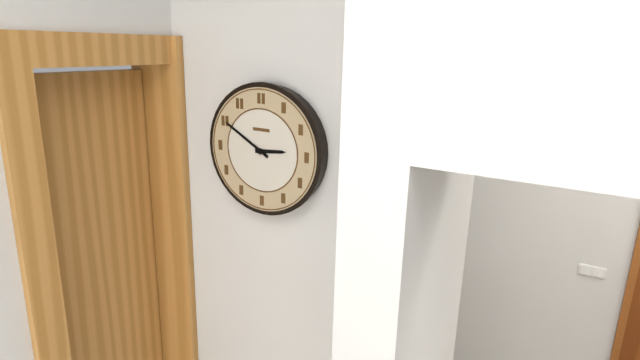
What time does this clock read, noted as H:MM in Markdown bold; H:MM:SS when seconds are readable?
**2:50**
